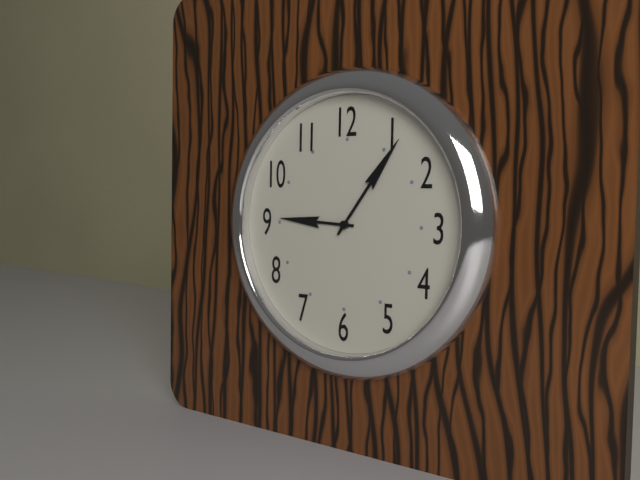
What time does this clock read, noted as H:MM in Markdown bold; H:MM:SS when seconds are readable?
**9:06**
